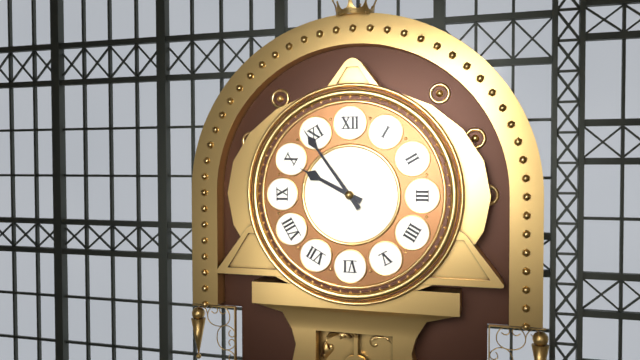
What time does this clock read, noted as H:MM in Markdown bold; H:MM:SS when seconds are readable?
**9:54**
